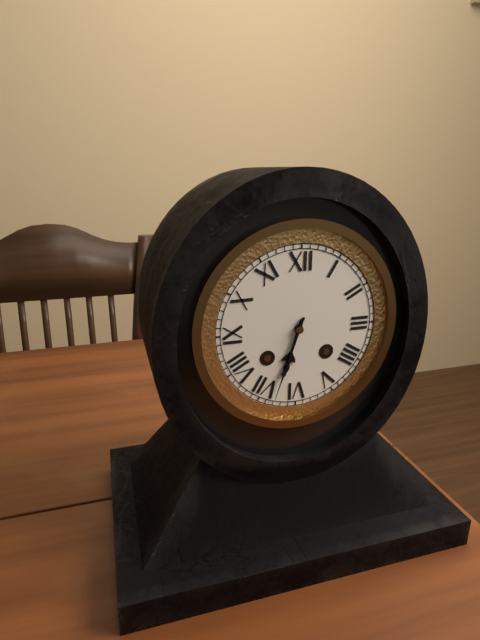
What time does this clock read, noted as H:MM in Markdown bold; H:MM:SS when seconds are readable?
**6:33**
